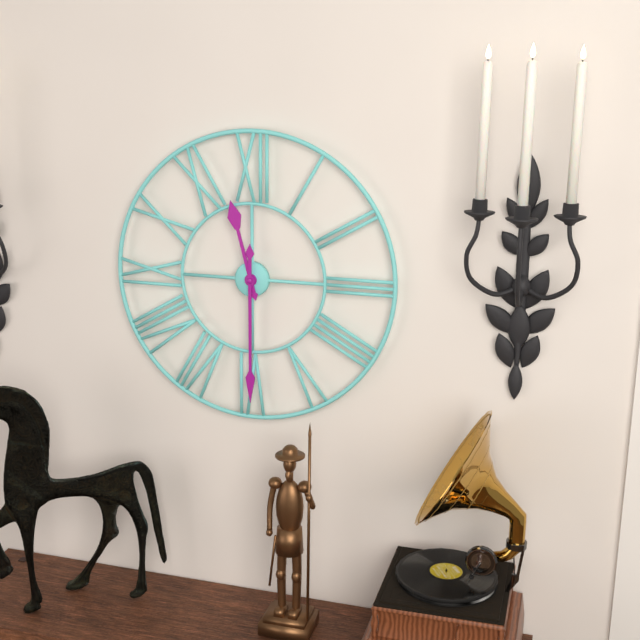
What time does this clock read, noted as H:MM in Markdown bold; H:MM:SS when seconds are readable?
**11:30**
